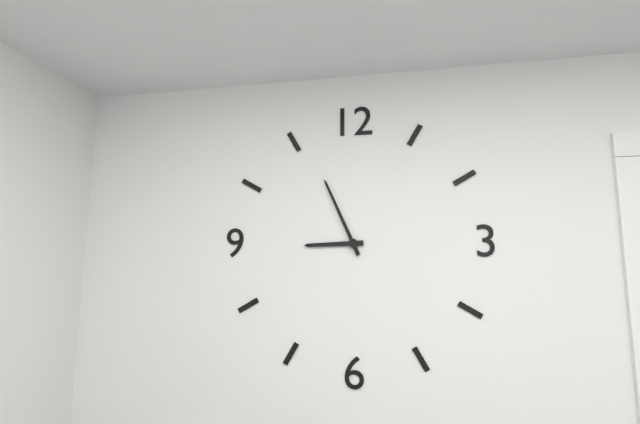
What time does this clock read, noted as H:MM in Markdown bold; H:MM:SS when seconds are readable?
**8:56**
